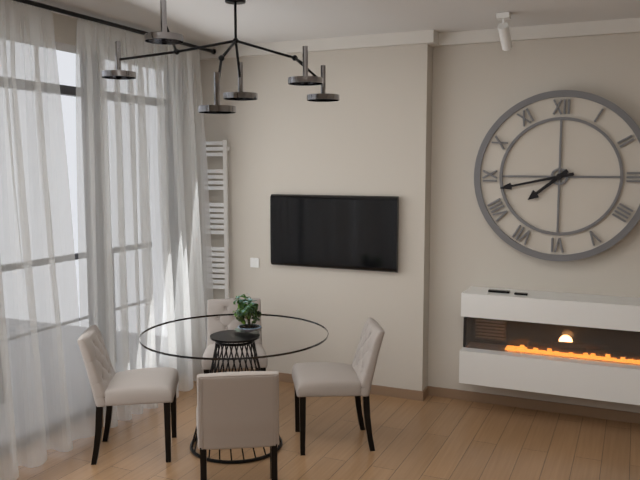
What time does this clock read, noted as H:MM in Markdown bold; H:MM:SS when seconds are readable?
**7:43**
